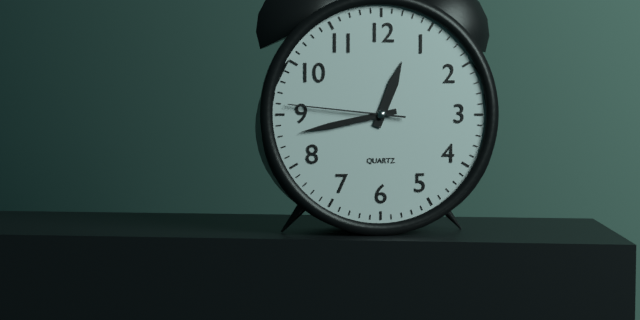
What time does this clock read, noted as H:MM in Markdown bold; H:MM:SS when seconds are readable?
**12:43:46**
